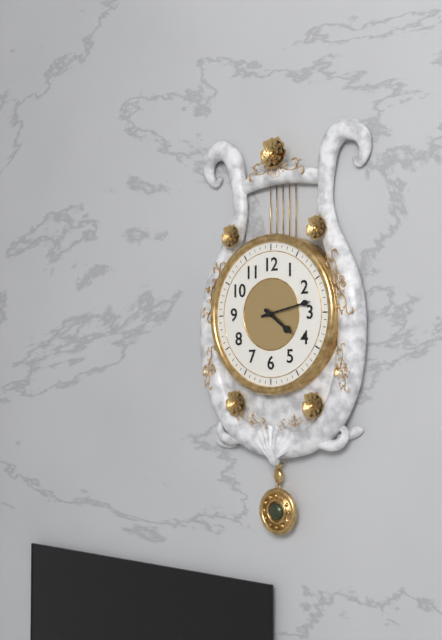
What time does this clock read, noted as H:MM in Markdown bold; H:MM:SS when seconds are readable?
**4:13**
